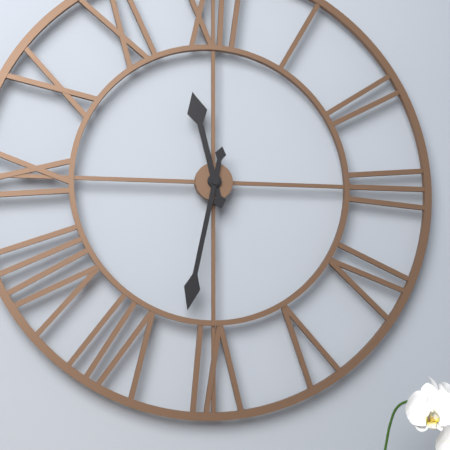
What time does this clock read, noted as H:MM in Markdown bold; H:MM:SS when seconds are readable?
**11:32**
